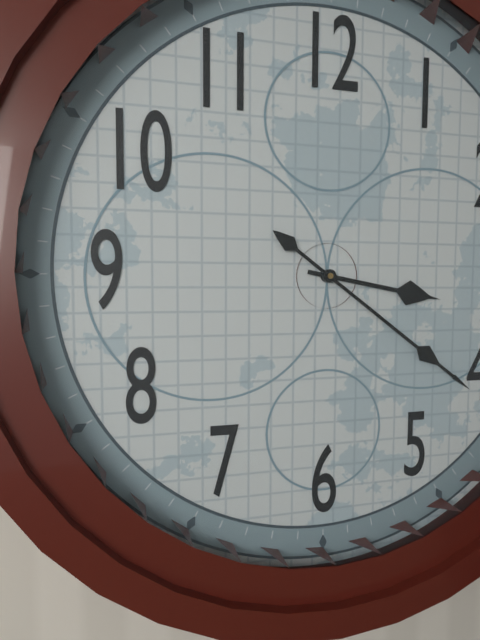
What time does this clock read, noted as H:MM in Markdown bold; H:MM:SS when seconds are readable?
**3:21**
